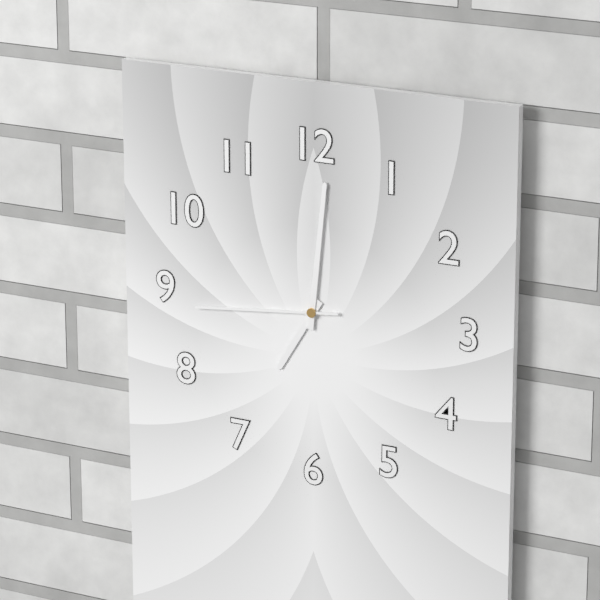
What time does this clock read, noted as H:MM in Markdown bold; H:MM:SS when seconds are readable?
**7:01:44**
